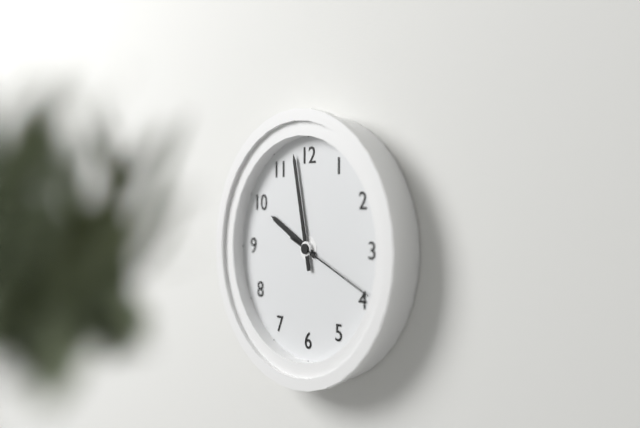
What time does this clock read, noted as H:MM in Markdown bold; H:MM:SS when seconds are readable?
**9:58:19**
